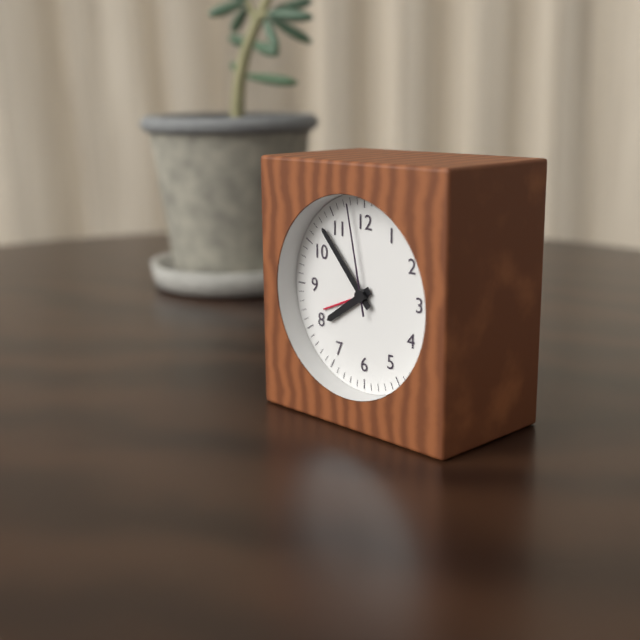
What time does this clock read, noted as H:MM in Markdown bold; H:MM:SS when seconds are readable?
**7:53:58**
